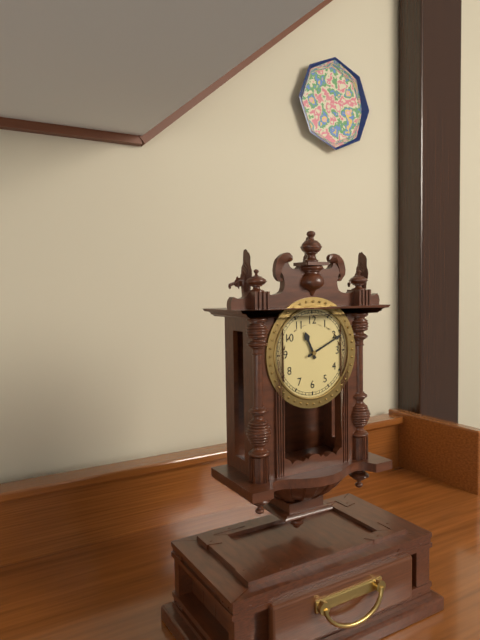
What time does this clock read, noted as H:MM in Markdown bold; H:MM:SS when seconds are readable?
**11:11**
